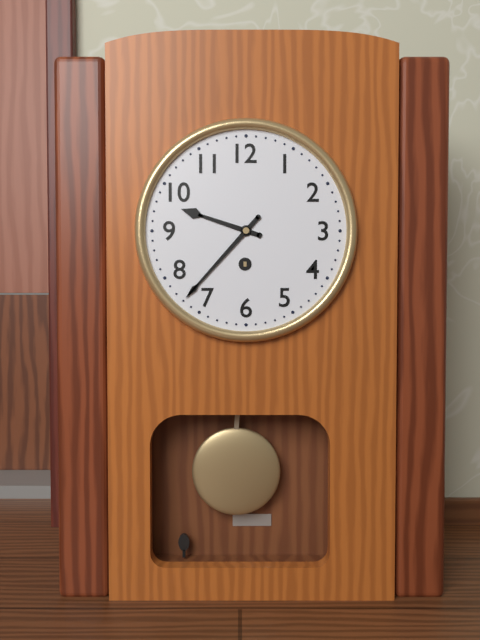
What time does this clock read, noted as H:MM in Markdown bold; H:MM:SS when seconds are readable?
**9:37**
